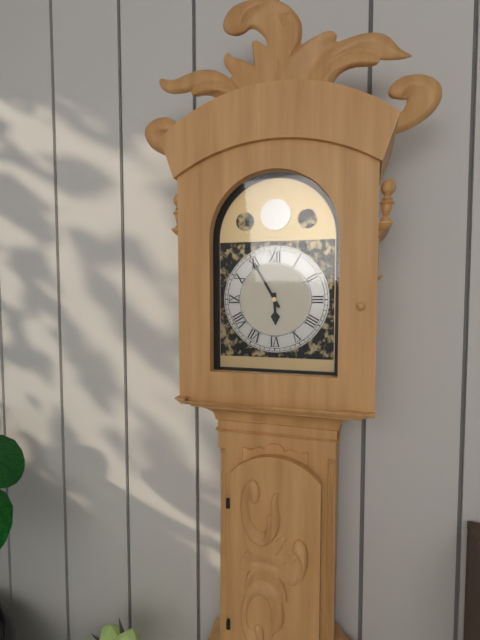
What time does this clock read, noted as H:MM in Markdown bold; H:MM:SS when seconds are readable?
**5:55**
